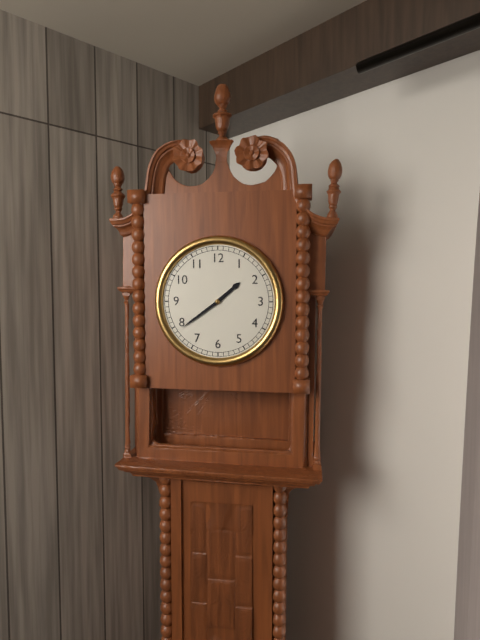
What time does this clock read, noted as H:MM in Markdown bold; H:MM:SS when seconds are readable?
**1:39**
